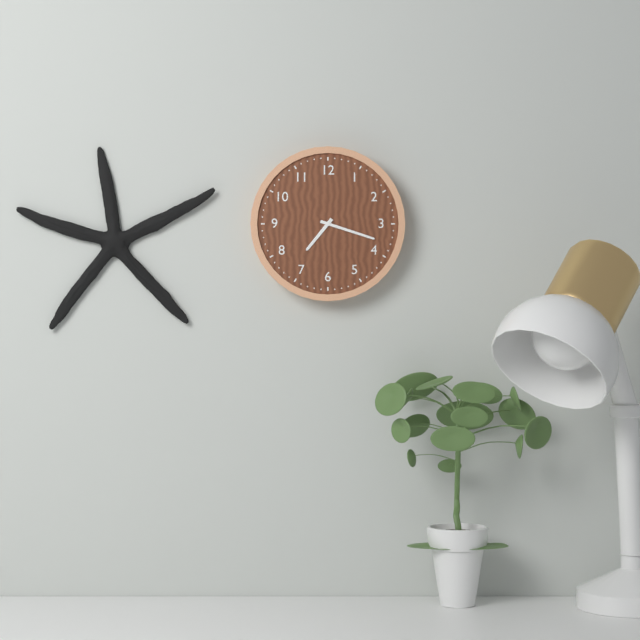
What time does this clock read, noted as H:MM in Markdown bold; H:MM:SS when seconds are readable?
**7:18**
